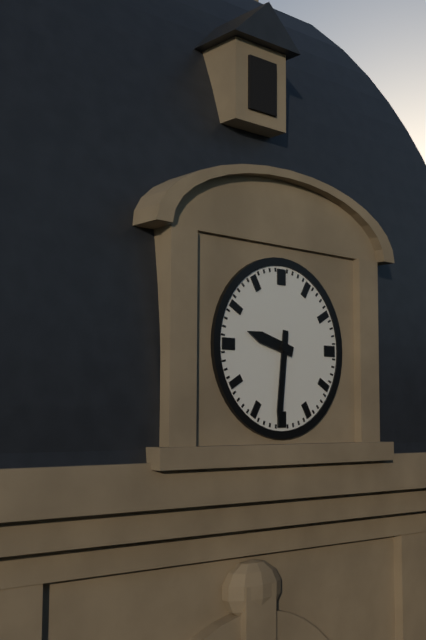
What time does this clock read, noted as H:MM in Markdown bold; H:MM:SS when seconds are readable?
**9:31**
